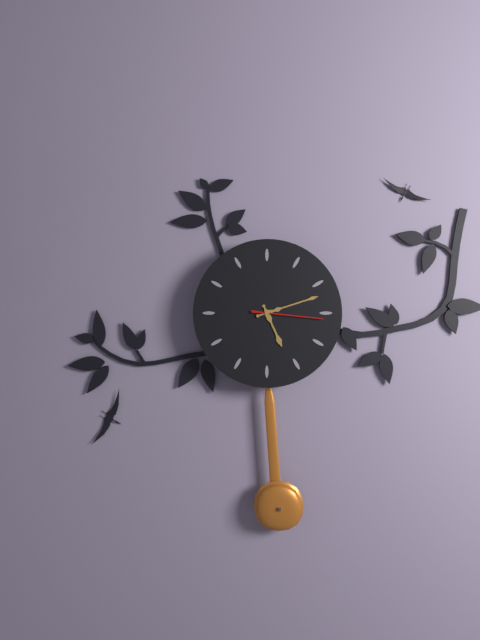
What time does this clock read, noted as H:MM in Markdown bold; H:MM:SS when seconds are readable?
**5:12:16**
